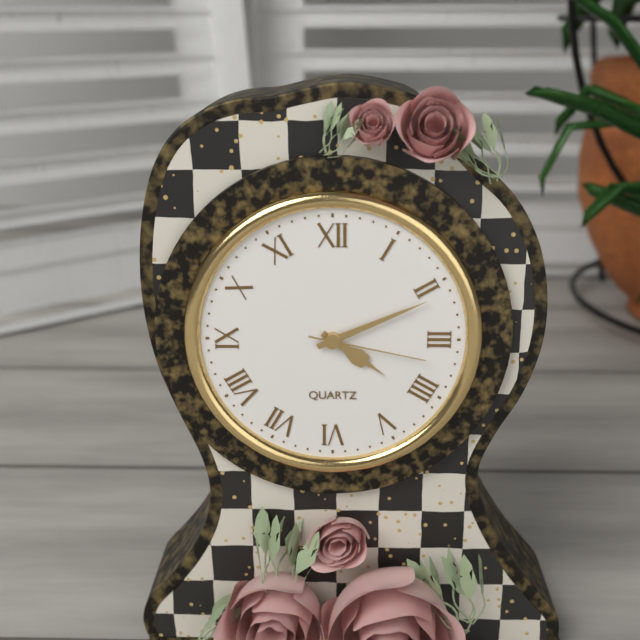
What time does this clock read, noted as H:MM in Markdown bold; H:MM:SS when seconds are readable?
**4:11:17**
